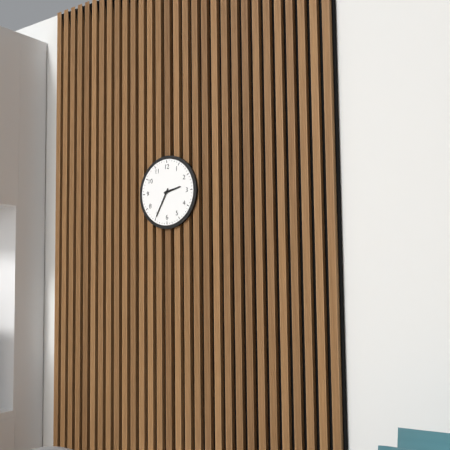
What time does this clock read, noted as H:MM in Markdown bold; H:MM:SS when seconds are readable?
**2:35**
